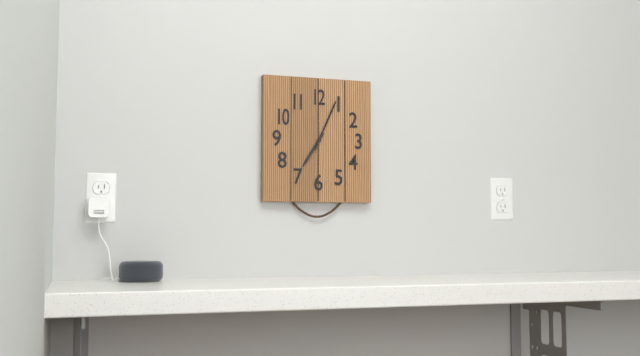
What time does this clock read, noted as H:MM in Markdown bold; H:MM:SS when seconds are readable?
**7:04**
